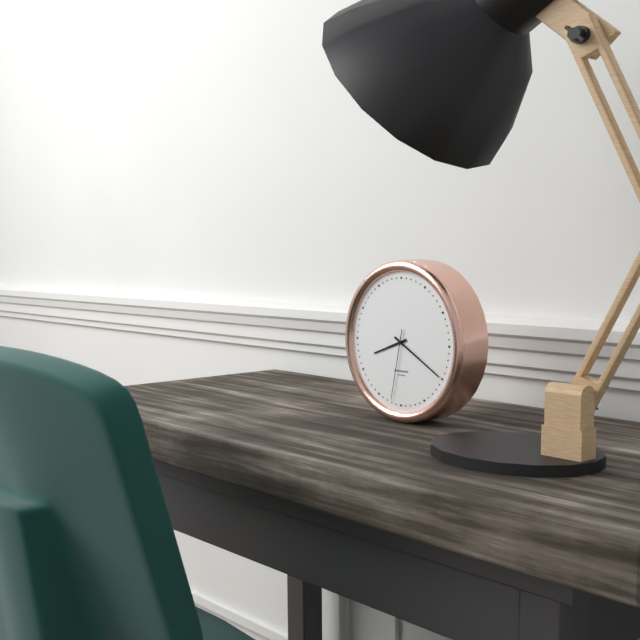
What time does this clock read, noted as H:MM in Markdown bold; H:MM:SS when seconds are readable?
**8:20:32**
